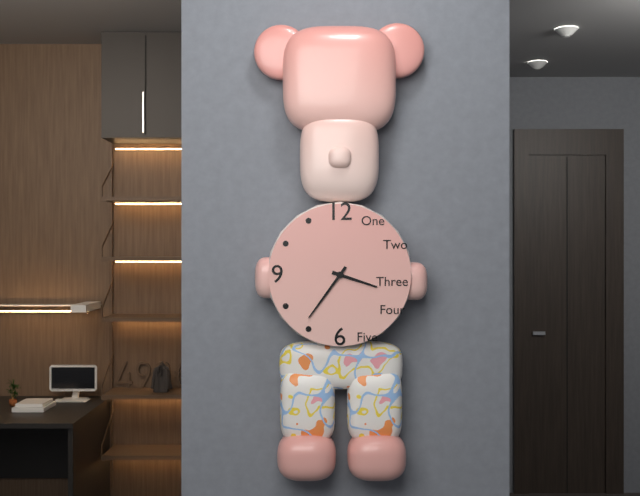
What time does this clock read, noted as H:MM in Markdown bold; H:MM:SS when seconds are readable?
**3:36**
